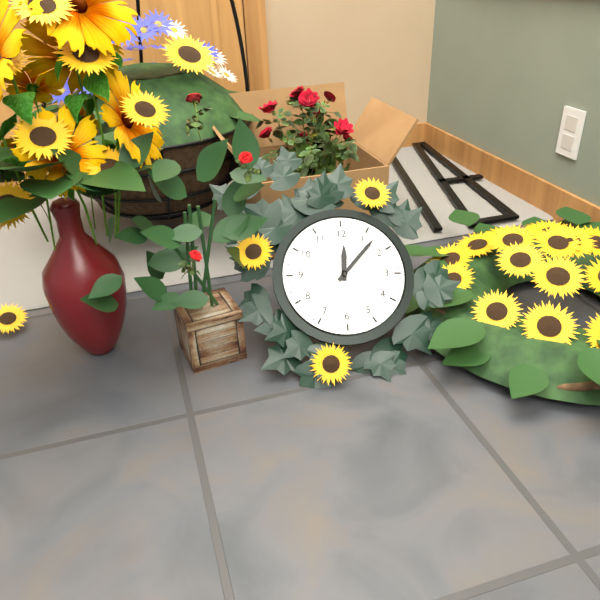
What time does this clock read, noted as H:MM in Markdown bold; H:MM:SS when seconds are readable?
**12:07**
